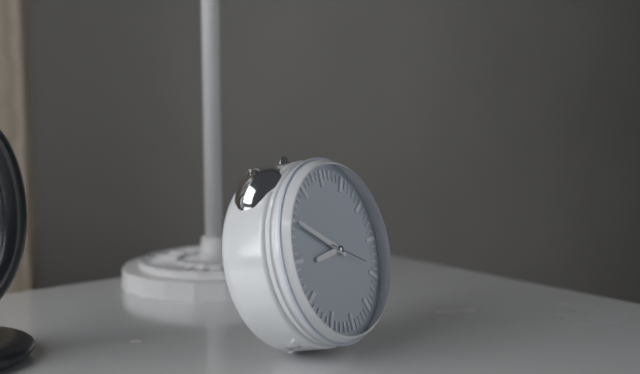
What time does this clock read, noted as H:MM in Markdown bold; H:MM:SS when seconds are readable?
**8:50**
